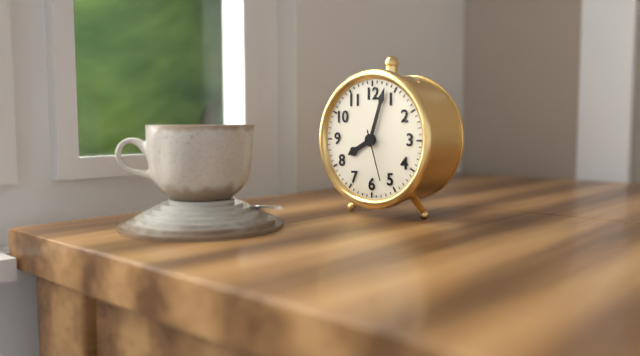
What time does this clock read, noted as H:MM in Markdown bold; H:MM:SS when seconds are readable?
**8:03:27**
